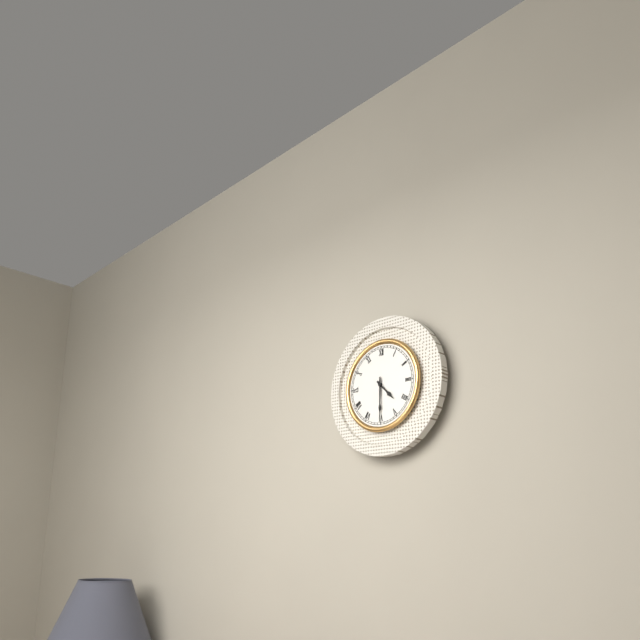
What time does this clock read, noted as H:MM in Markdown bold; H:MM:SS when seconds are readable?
**4:30**
